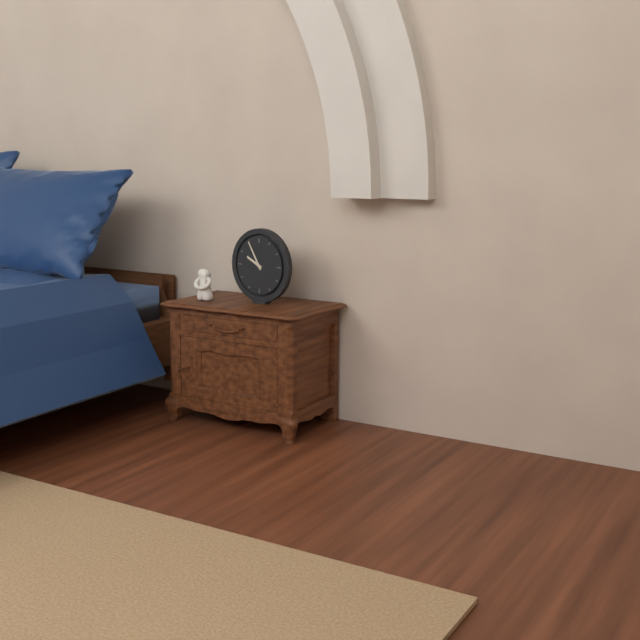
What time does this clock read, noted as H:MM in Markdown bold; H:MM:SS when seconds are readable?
**9:55**
